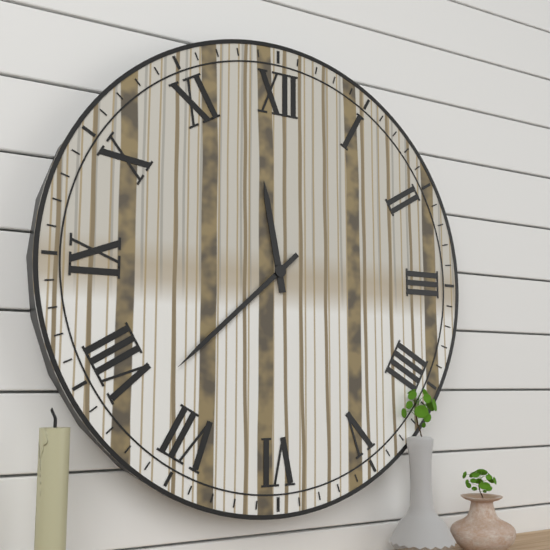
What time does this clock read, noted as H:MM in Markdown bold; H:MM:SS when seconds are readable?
**11:38**
